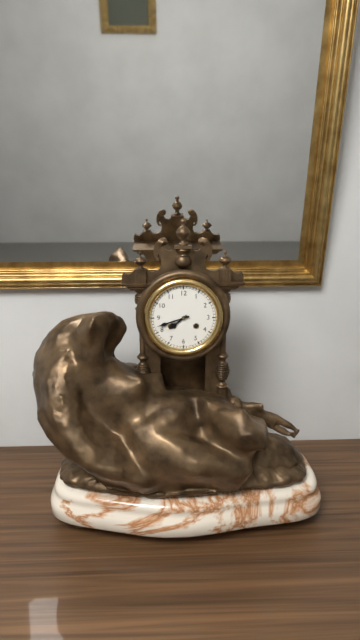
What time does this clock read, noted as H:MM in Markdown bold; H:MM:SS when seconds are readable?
**7:42**
